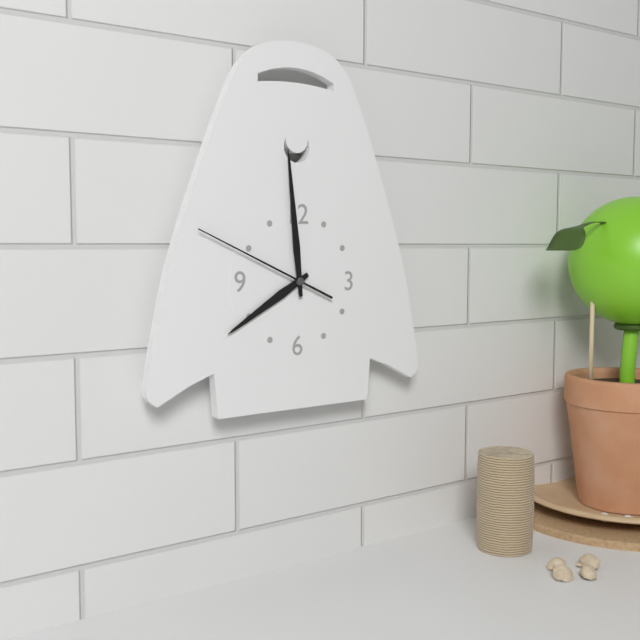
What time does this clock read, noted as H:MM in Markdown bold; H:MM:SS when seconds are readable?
**7:59:49**
